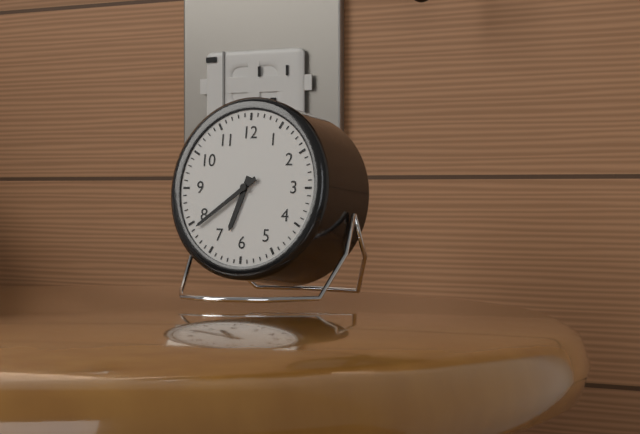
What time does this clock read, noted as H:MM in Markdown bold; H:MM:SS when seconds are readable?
**6:39**
